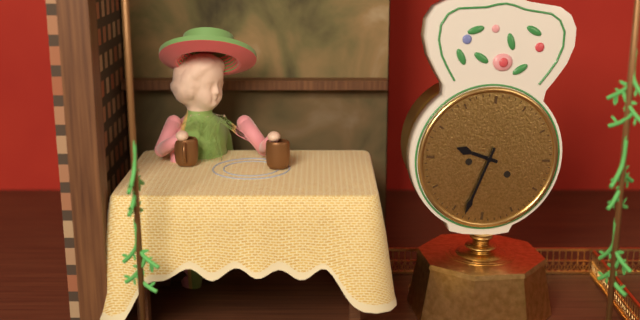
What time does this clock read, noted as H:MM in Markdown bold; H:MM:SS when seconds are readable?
**9:33**
